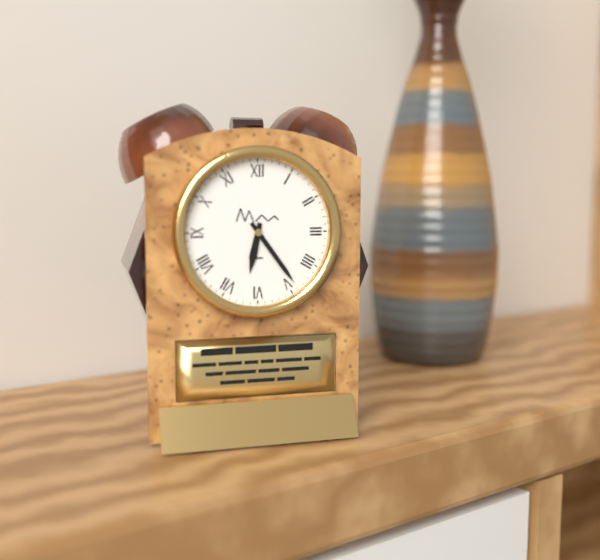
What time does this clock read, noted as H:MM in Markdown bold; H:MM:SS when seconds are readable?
**6:24**
